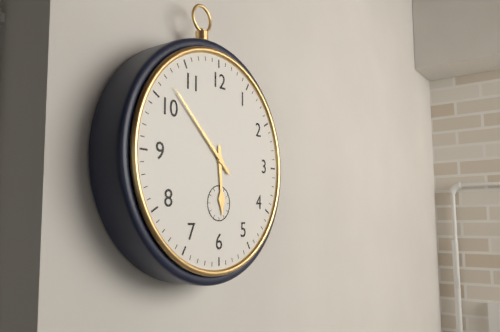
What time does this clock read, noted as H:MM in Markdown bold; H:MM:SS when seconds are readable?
**5:52**
